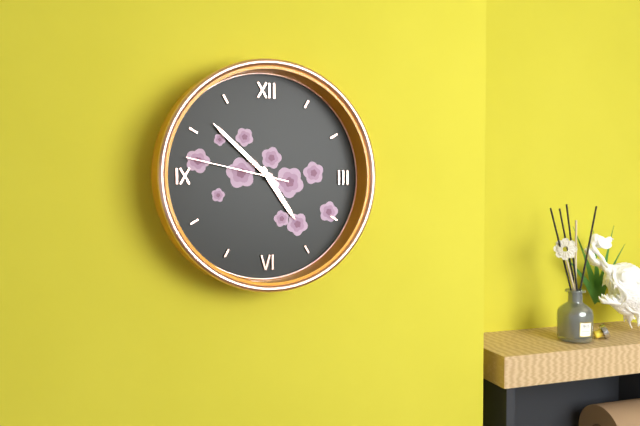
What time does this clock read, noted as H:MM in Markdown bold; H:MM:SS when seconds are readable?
**4:52:47**
